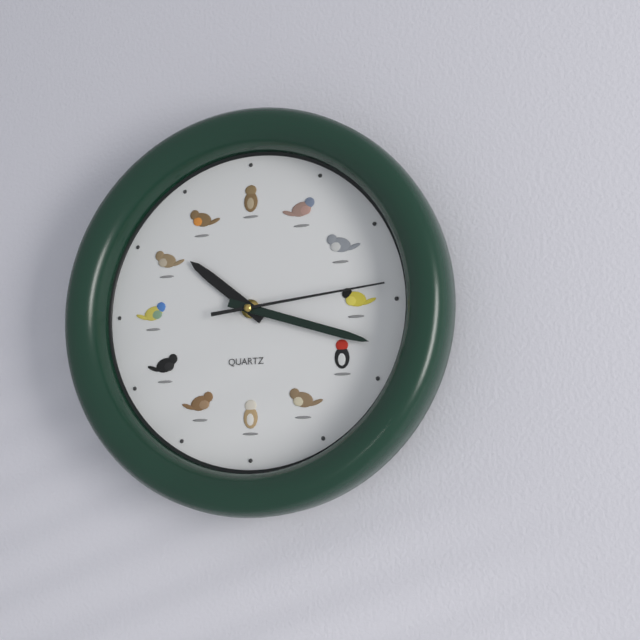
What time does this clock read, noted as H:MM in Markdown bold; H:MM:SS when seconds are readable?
**10:18:14**
